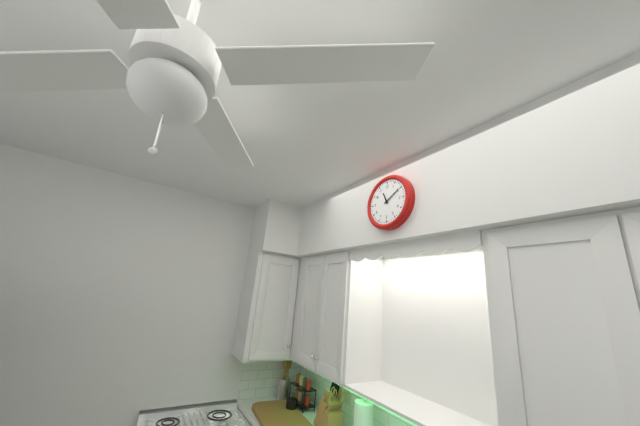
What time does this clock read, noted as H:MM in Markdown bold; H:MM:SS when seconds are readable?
**11:10**
